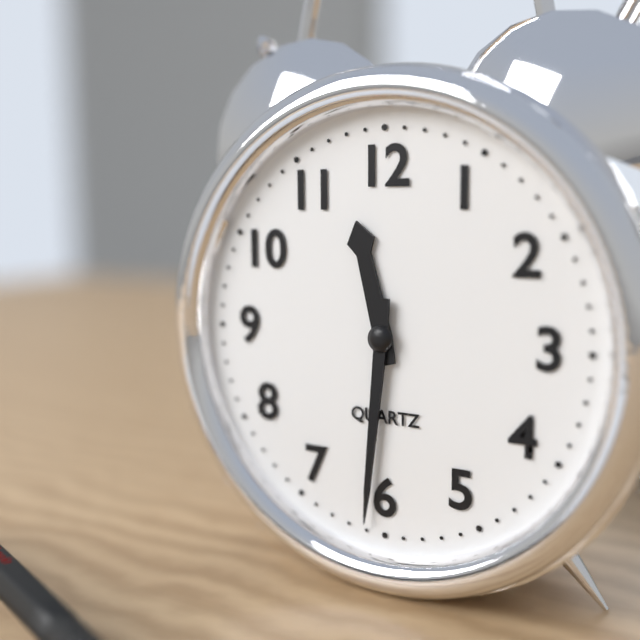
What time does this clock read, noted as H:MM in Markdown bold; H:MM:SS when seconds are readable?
**11:31**
